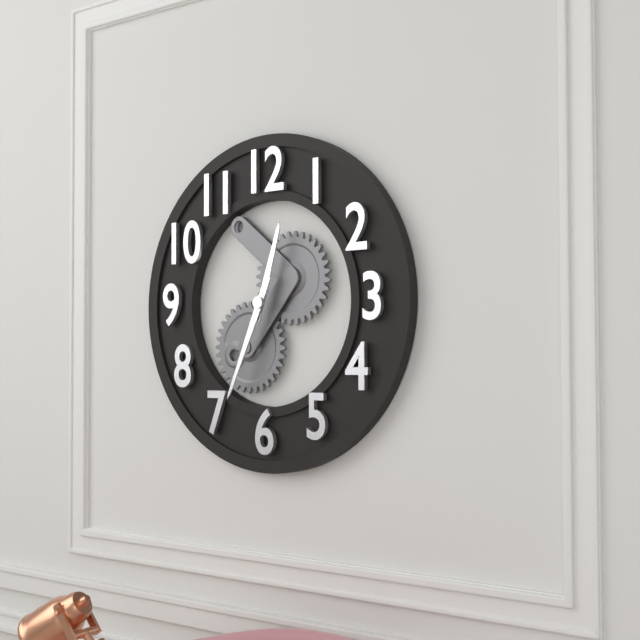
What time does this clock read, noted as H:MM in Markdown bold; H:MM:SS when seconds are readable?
**12:34**
